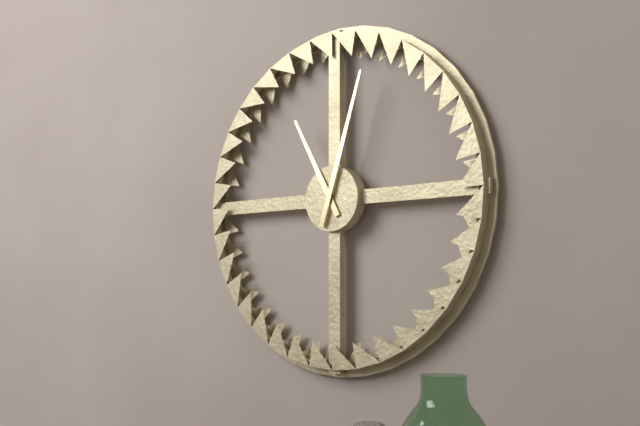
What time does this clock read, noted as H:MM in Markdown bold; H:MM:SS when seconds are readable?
**11:03**
